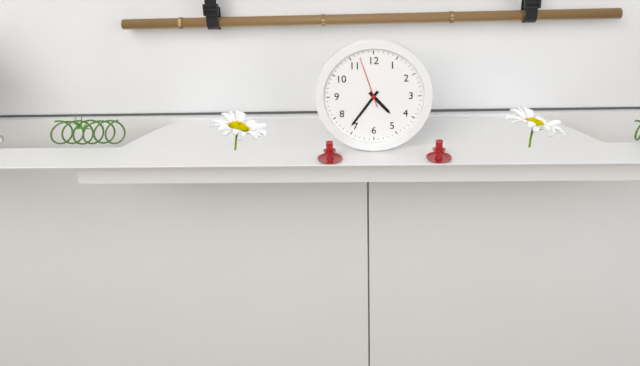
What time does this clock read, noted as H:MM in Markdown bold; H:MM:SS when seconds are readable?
**4:36:57**
